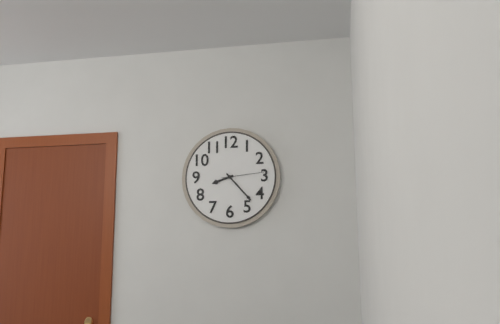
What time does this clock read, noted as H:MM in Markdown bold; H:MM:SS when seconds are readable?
**8:23**
